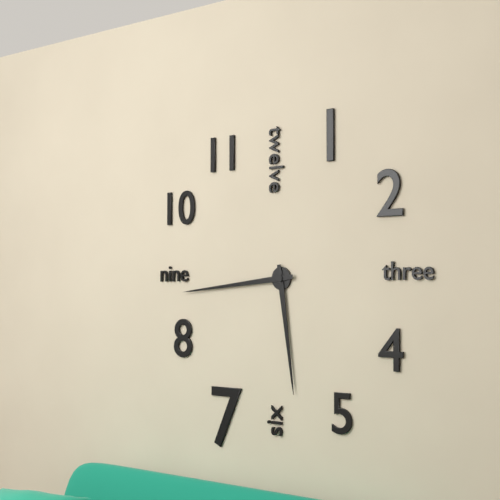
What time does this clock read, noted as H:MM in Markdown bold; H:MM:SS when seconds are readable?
**5:44**
